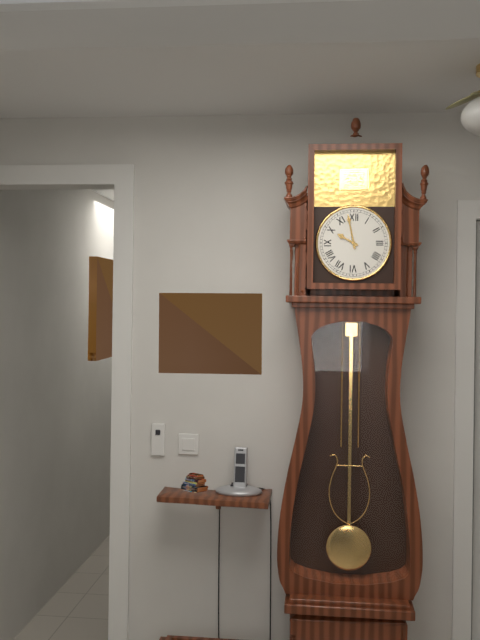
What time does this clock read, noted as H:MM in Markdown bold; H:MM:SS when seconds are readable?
**9:58**
